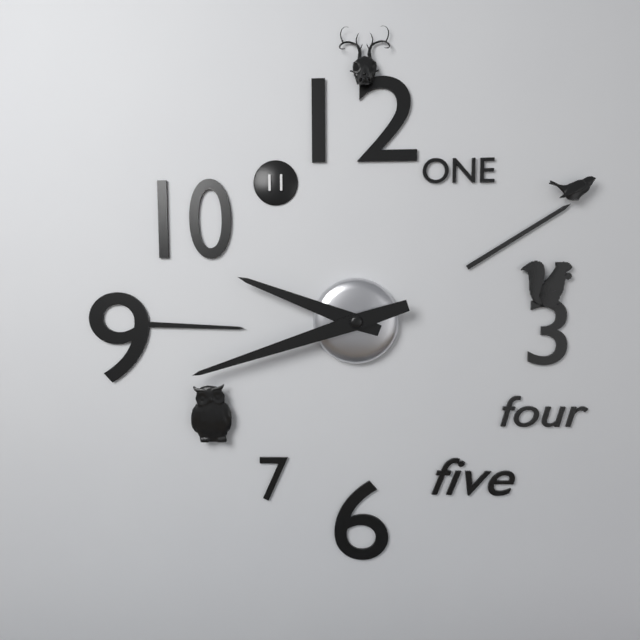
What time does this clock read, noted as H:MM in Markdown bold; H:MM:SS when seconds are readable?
**9:42**
